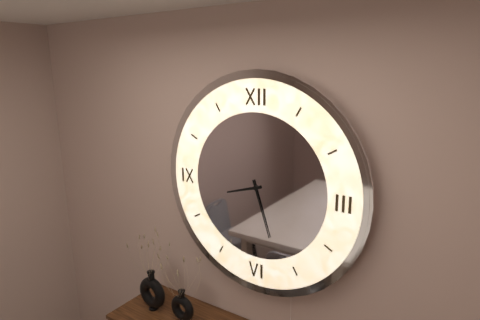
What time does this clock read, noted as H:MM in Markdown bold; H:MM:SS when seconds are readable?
**8:27**
